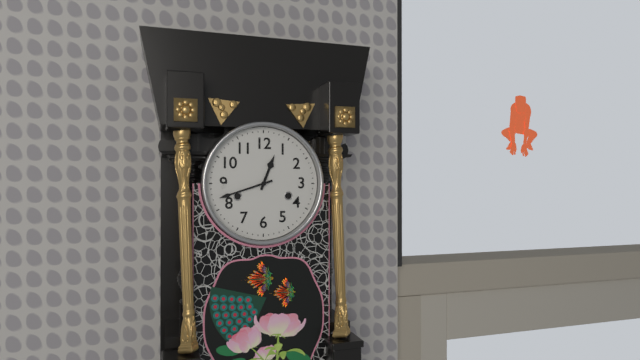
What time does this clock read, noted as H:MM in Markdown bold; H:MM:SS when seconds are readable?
**12:42**
